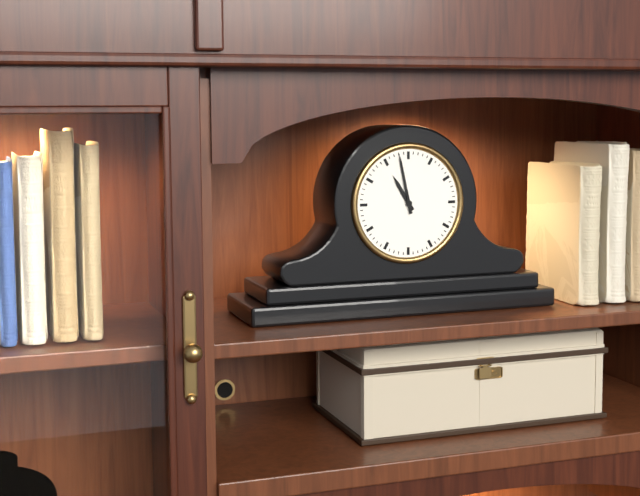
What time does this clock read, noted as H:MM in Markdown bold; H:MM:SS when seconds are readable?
**10:58**
